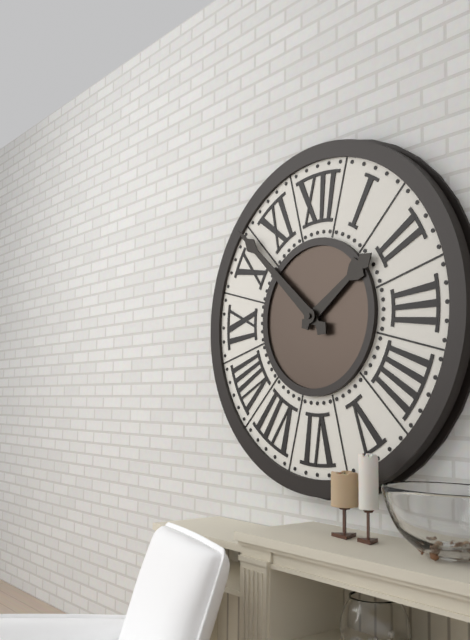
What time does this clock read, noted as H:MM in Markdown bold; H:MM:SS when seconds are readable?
**1:52**
